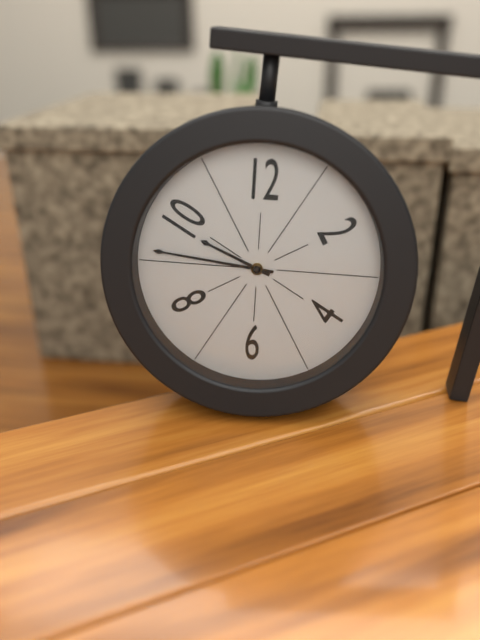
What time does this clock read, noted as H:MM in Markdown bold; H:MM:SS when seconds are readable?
**9:46**
